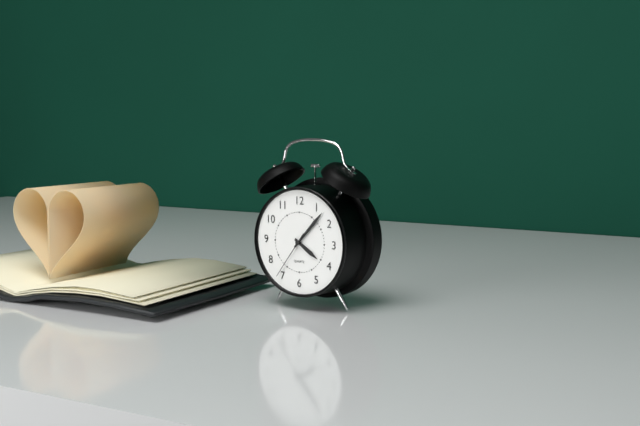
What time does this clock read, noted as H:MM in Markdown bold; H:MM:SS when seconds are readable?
**4:07**
